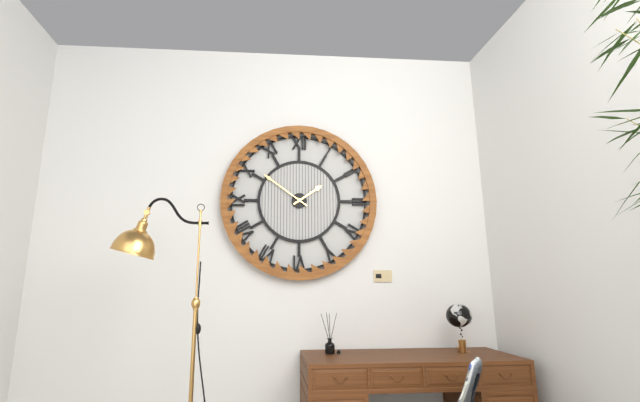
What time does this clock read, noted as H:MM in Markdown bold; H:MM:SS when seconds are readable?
**1:51**
